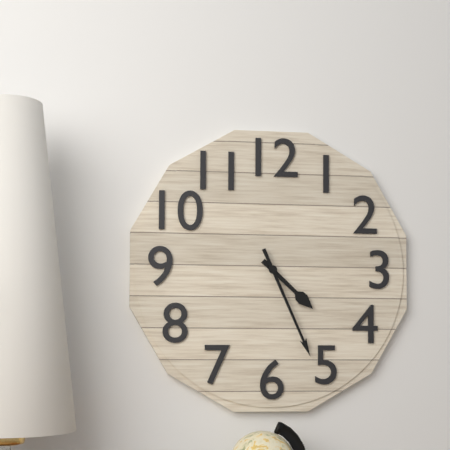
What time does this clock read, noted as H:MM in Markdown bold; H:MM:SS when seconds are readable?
**4:26**
